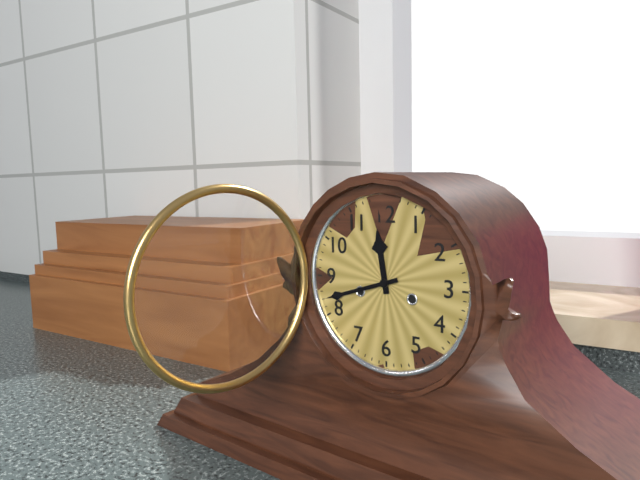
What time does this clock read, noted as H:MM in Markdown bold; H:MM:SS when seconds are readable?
**11:42**
